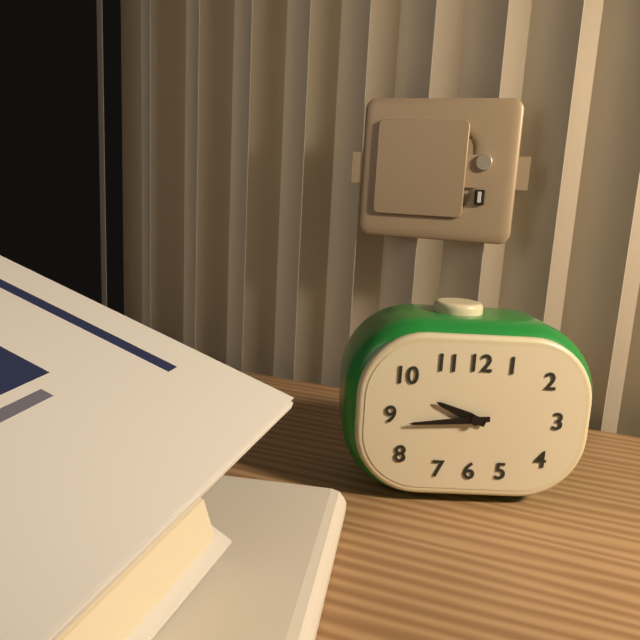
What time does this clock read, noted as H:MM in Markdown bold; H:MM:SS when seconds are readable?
**9:44**
